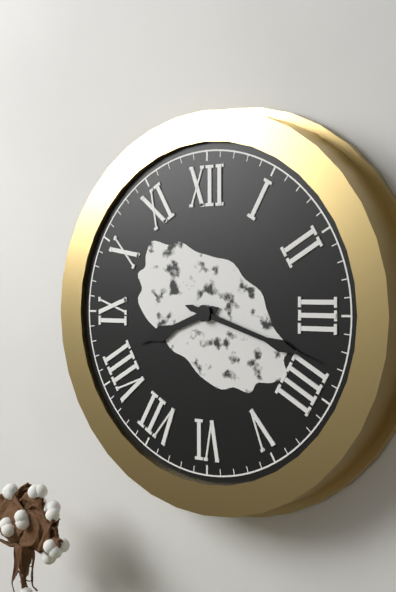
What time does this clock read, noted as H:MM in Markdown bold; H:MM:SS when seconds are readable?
**8:18**
